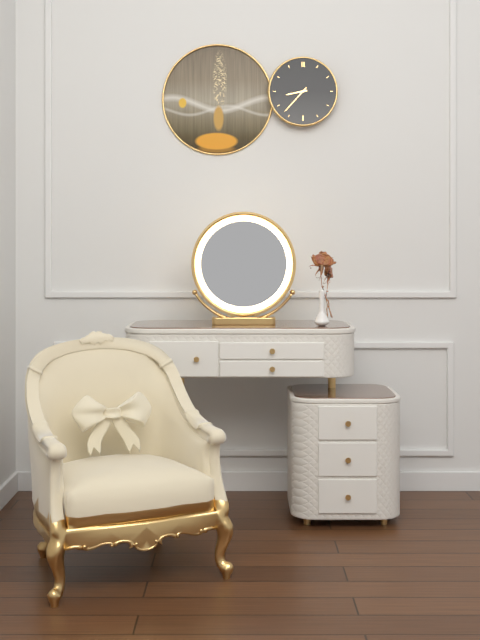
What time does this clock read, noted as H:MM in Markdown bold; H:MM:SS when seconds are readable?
**8:37**
